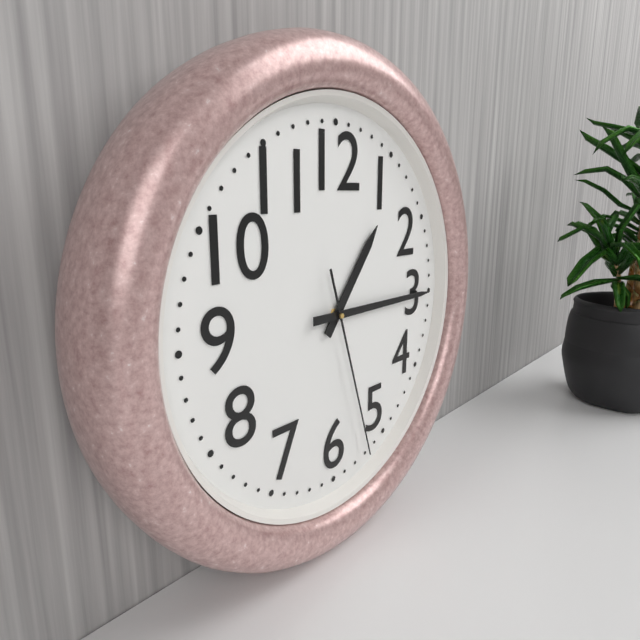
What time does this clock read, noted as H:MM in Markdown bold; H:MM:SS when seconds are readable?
**1:15:27**
